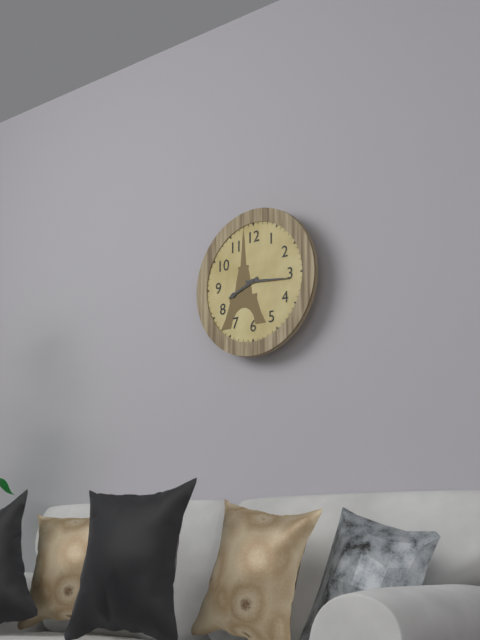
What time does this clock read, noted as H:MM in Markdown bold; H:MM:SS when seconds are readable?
**8:16**
